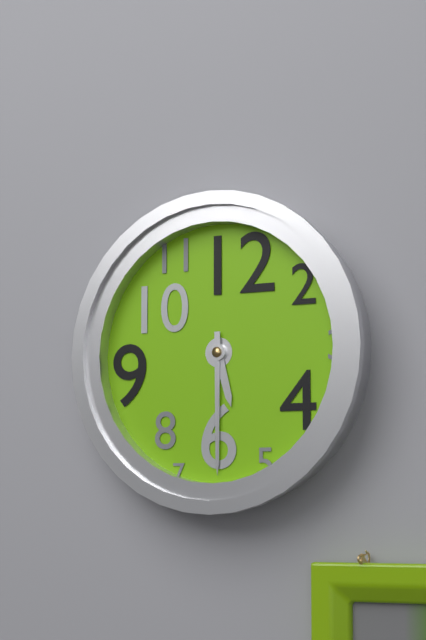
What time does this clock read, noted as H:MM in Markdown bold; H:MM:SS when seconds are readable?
**5:30**
